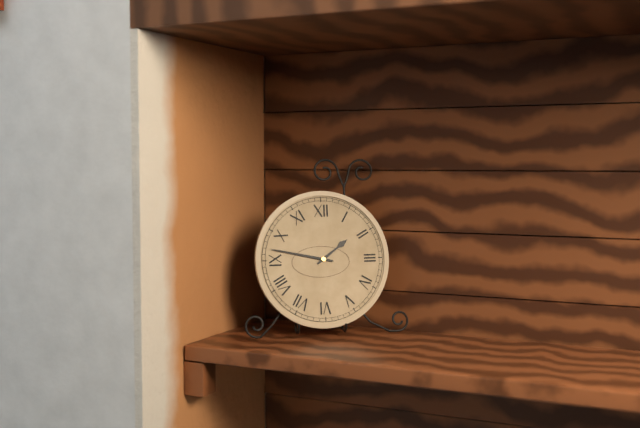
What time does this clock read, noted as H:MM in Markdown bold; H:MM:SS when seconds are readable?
**1:47**
